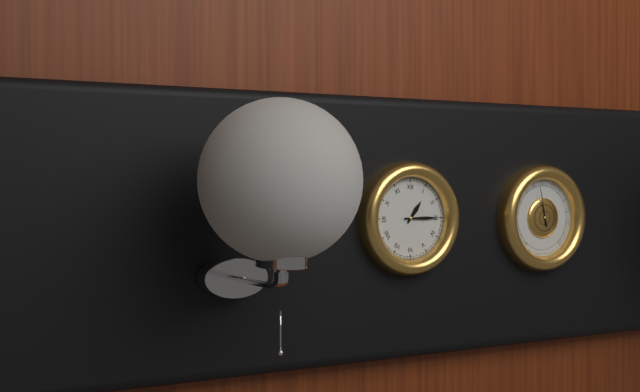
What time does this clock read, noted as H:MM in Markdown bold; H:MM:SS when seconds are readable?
**1:15**
